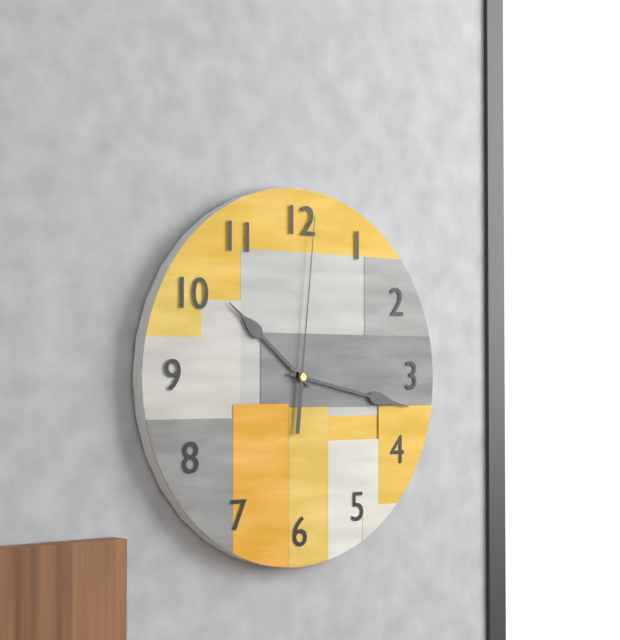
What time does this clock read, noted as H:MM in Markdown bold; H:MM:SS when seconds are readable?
**10:17:01**
